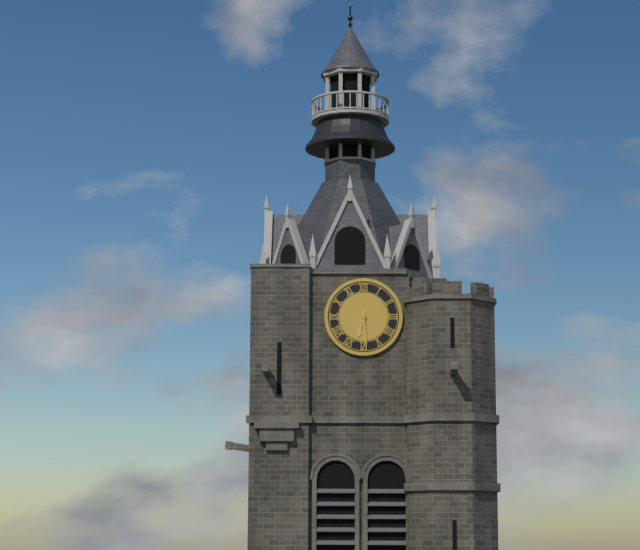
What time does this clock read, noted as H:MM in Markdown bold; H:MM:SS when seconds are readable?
**6:29**
